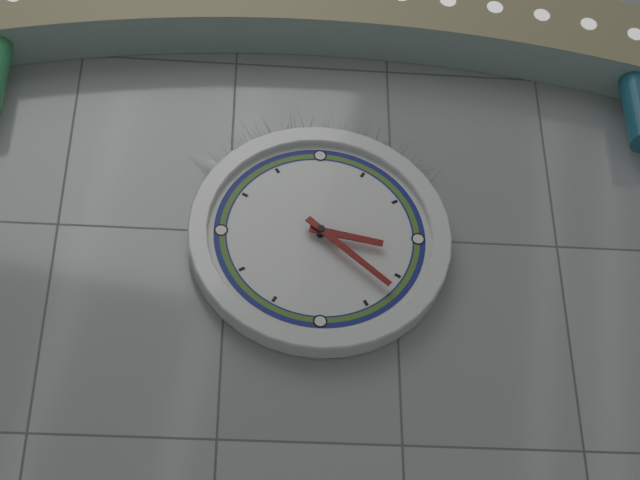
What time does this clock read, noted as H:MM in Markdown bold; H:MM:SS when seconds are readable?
**3:22**
